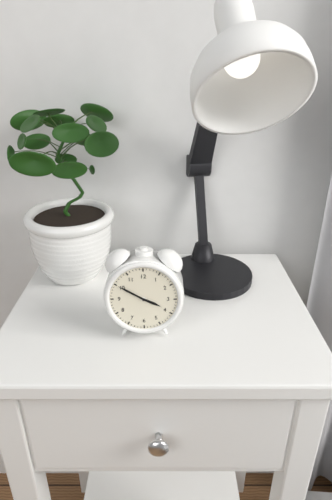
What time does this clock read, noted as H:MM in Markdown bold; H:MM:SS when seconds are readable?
**3:50**
